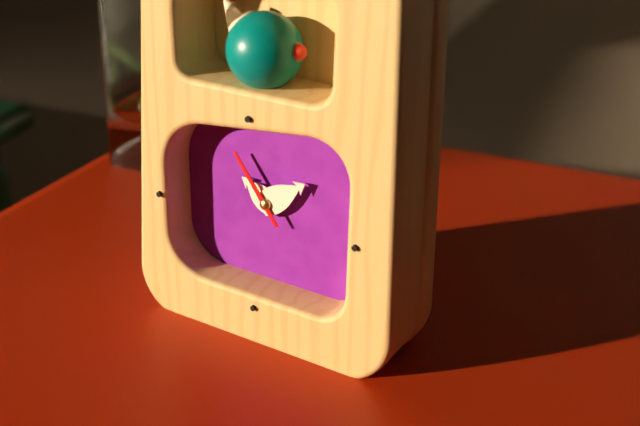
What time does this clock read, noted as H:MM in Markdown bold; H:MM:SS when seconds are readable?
**10:09:54**
